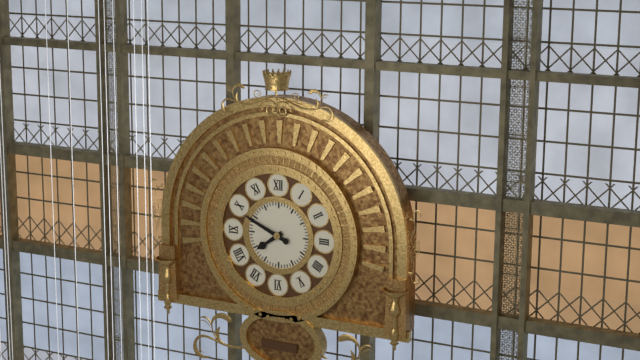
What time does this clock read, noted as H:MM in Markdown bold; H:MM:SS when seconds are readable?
**7:49**
